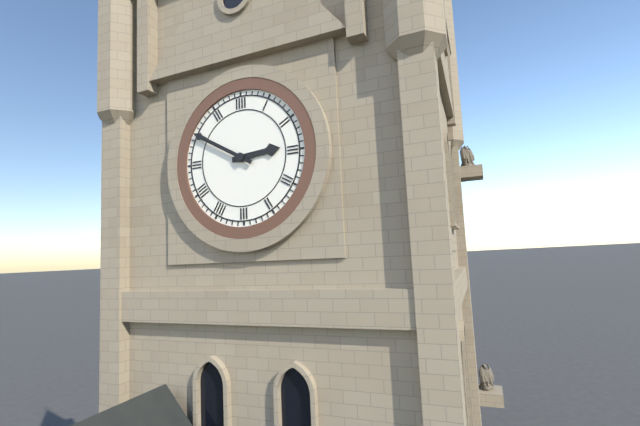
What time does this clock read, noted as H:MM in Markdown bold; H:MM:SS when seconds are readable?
**2:50**
